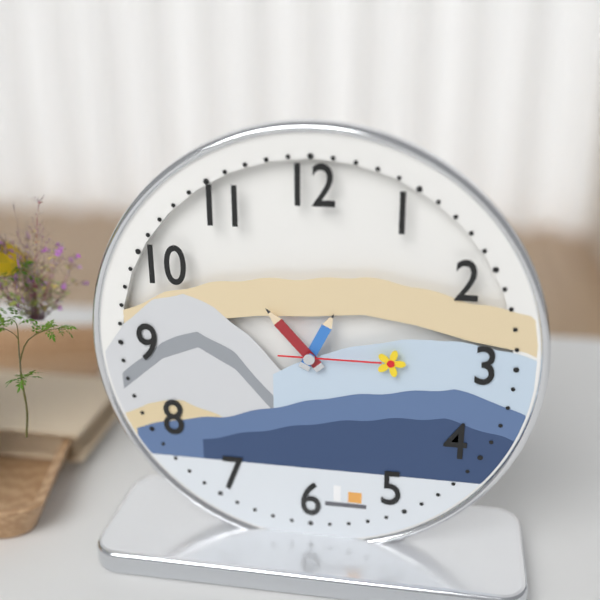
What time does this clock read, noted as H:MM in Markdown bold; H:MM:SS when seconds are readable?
**12:53:15**
